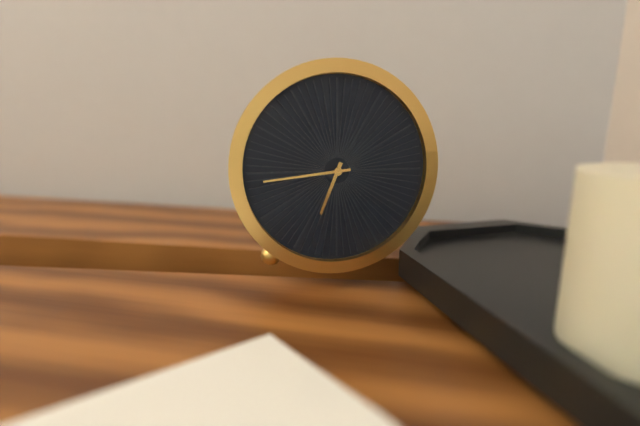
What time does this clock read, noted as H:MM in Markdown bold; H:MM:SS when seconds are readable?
**6:44**
